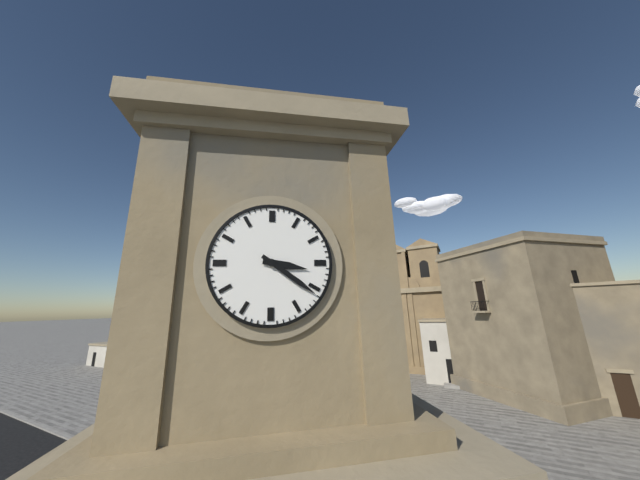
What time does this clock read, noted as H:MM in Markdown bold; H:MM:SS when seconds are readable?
**3:21**
